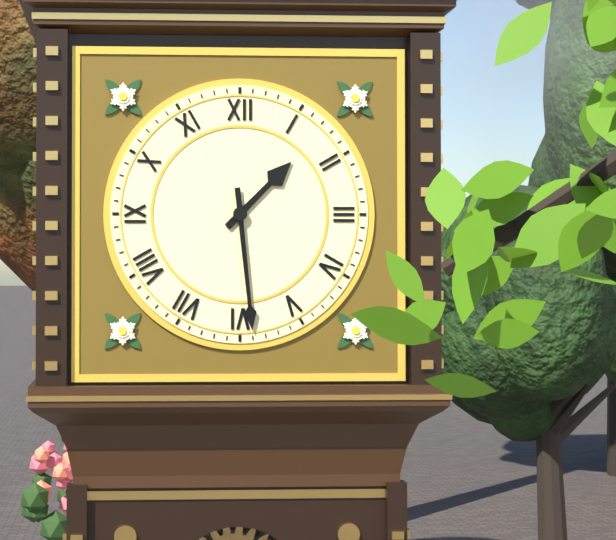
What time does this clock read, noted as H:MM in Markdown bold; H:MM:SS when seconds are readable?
**1:29**
